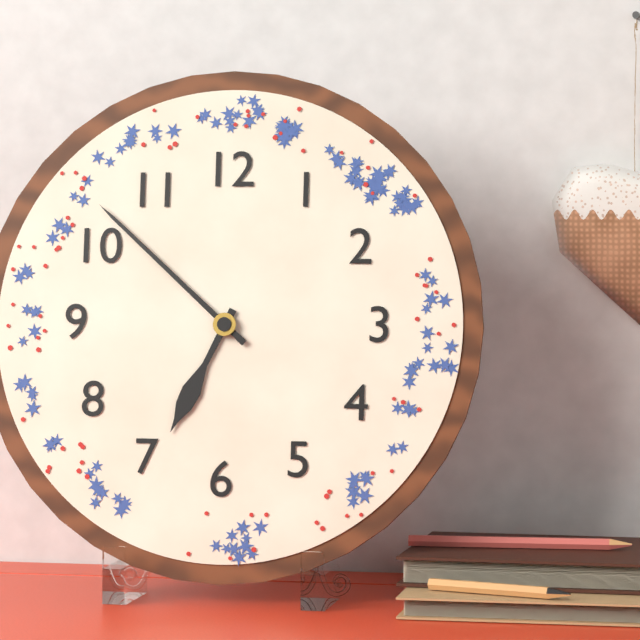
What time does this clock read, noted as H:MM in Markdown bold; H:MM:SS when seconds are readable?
**6:52**
